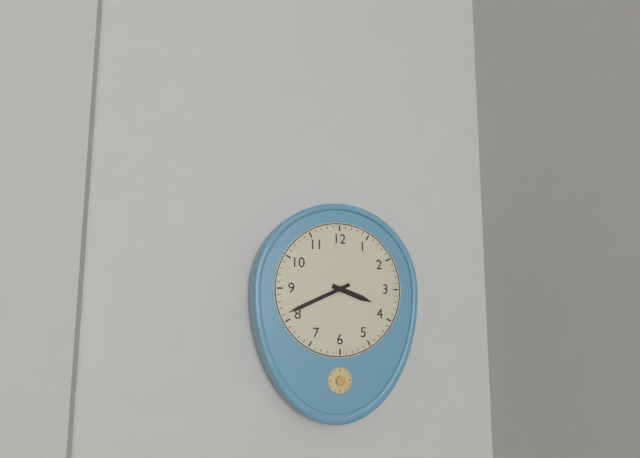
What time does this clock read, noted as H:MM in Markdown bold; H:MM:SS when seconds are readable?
**3:41**
